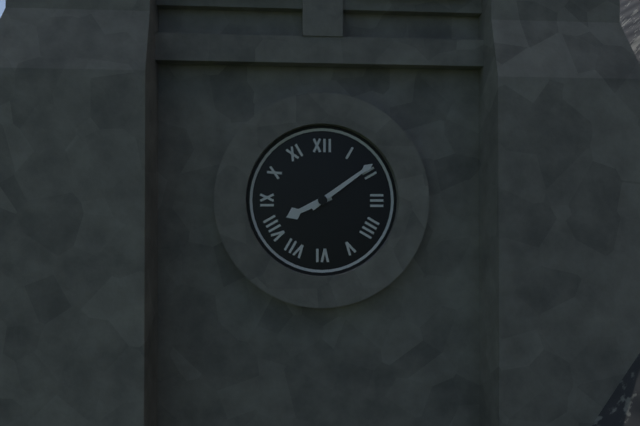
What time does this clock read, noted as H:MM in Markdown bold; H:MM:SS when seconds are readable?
**8:09**
